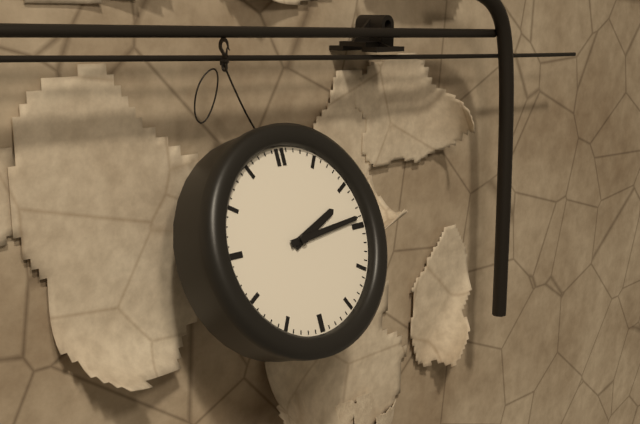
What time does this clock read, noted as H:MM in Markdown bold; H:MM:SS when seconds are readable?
**2:14**
